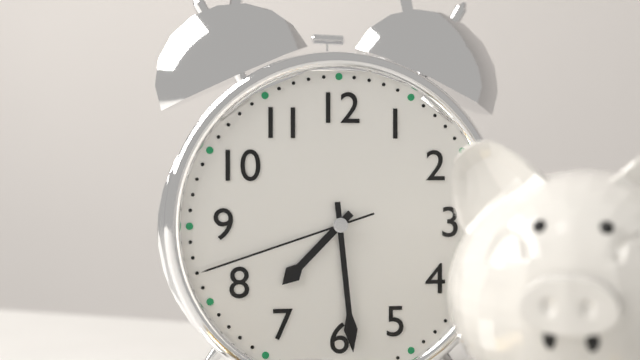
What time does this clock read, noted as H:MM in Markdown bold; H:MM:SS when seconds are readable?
**7:29:42**
